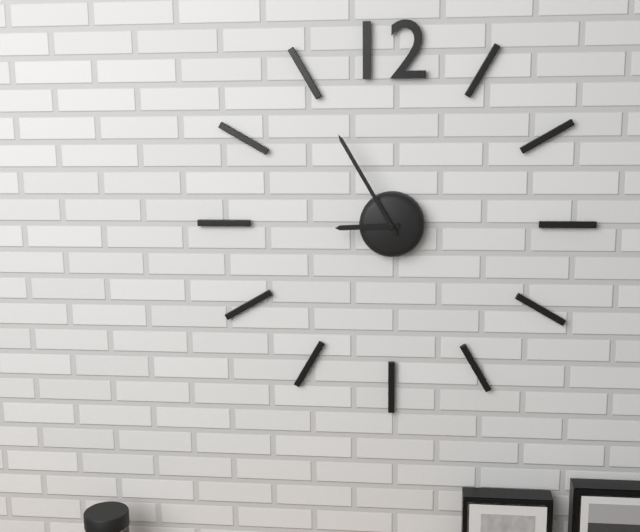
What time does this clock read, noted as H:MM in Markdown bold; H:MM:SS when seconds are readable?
**8:55**
